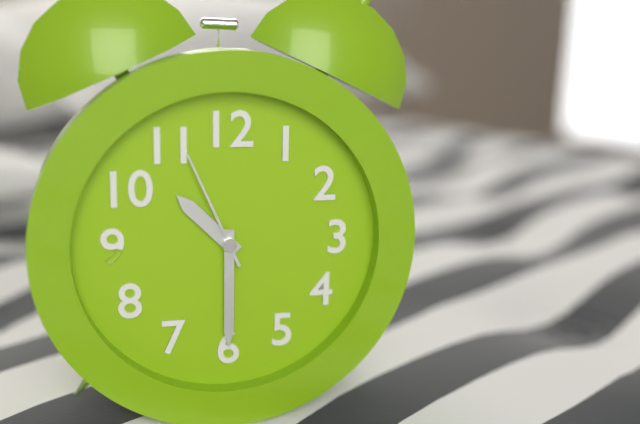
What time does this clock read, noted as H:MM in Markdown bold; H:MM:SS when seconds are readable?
**10:30:56**
